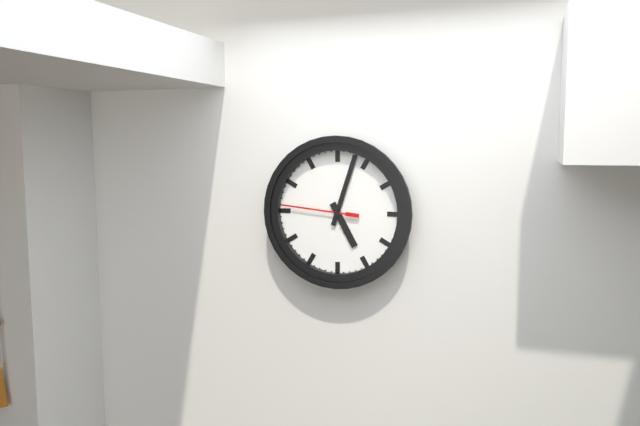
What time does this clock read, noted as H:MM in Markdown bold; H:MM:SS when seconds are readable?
**5:03:46**
